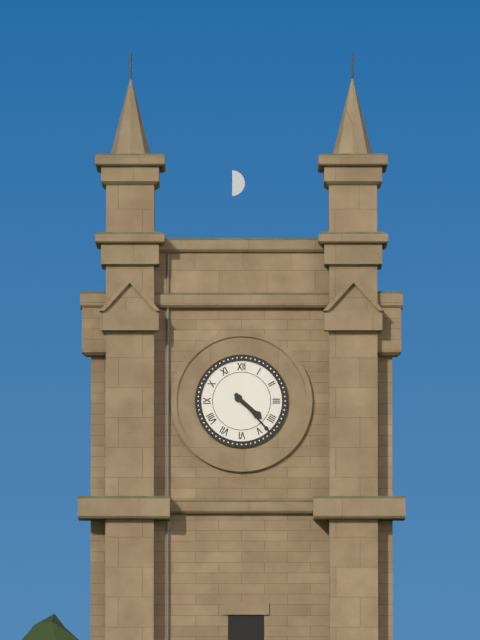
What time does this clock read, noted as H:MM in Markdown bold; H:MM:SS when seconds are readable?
**4:23**
